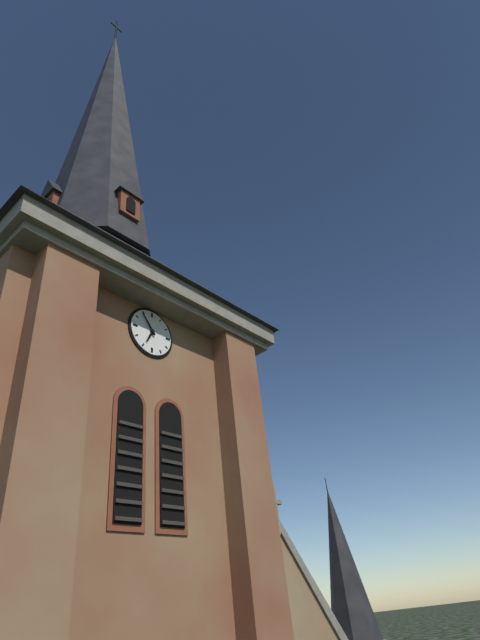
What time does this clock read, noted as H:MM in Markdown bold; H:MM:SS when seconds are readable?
**6:54**
